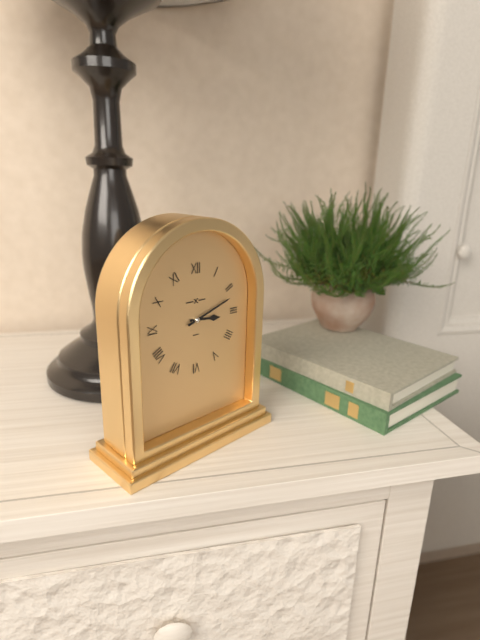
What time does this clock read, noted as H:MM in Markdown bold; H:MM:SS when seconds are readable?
**3:12**
